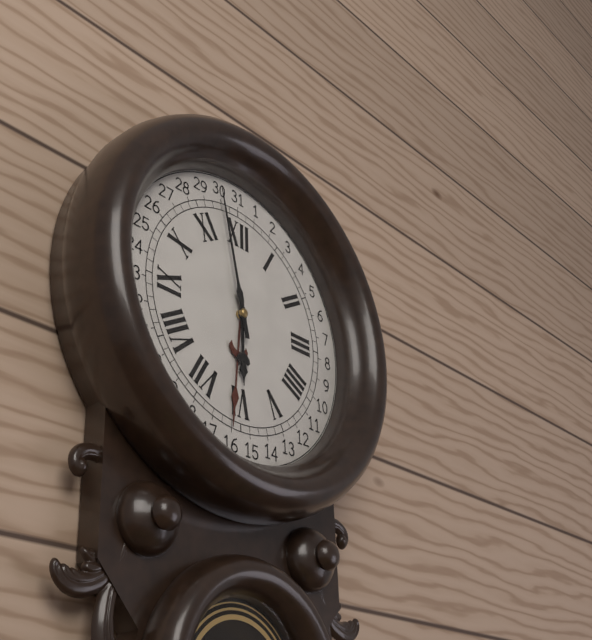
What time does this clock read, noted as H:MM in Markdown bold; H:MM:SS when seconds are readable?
**5:58**
